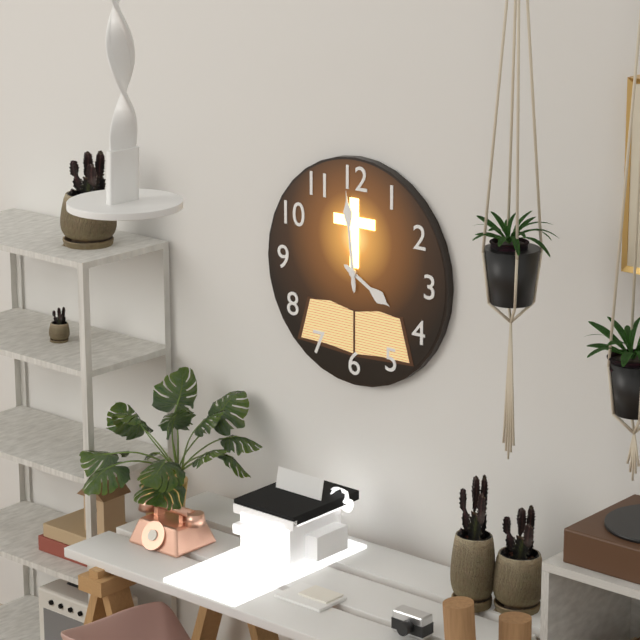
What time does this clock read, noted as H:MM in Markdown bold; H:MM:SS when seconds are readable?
**3:59**
